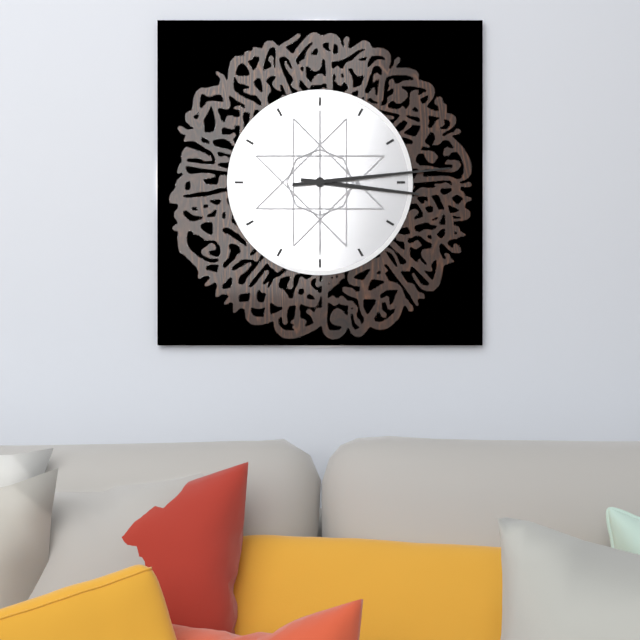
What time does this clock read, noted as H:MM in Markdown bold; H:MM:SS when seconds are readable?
**3:14**
